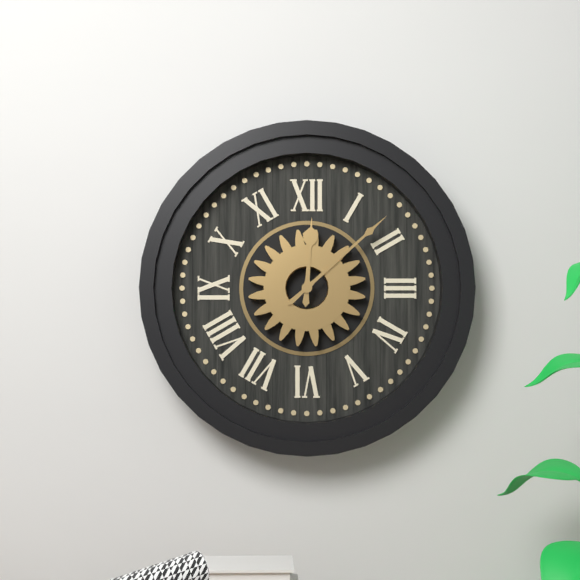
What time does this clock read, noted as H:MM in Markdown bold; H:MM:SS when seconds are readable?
**12:08**
